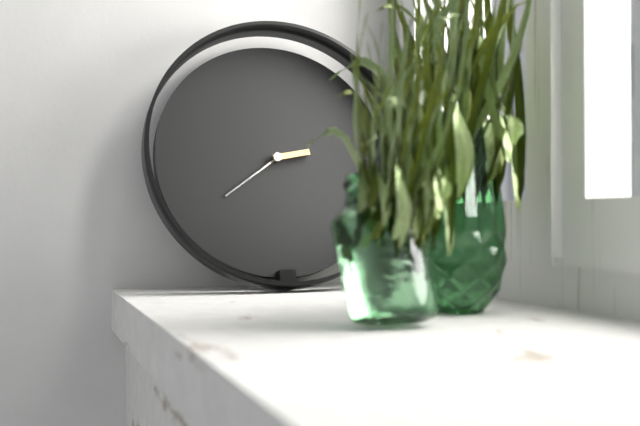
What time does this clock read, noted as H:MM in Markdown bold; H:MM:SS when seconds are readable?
**2:39**
